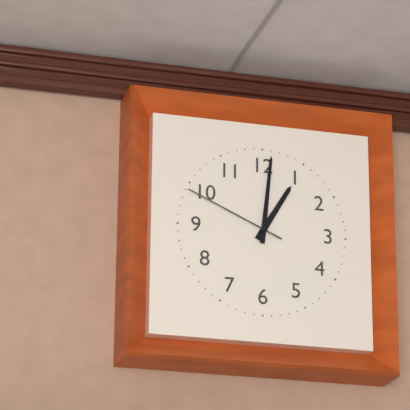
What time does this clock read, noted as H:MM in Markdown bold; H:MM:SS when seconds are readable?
**1:01:49**
